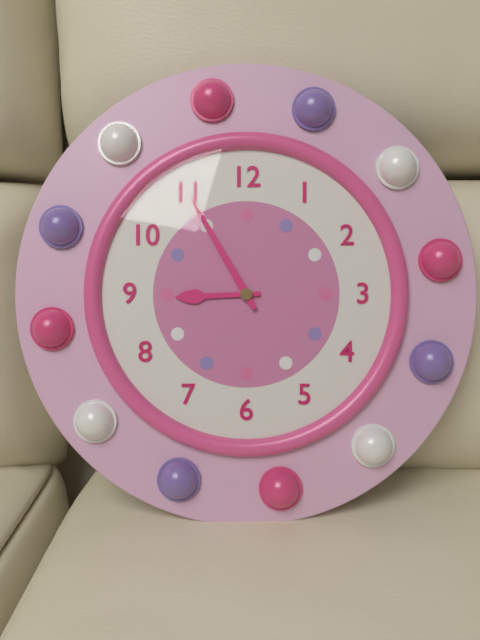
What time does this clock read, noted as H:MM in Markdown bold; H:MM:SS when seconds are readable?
**8:55**
